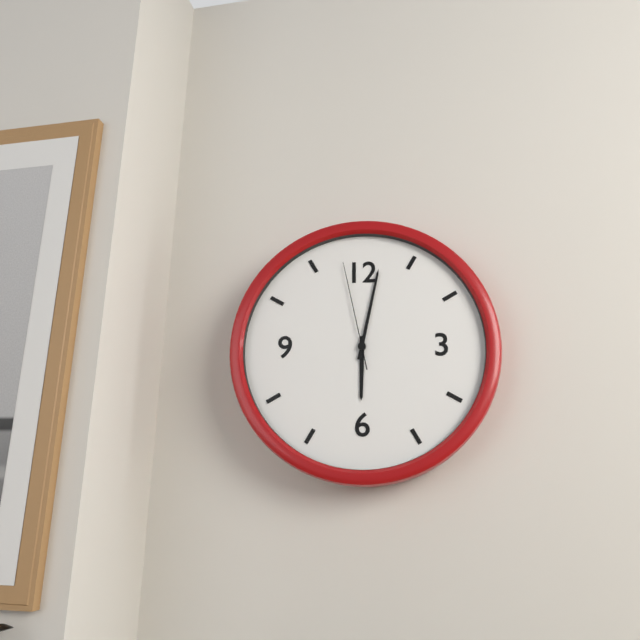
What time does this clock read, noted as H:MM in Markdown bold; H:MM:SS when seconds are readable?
**6:02:58**
